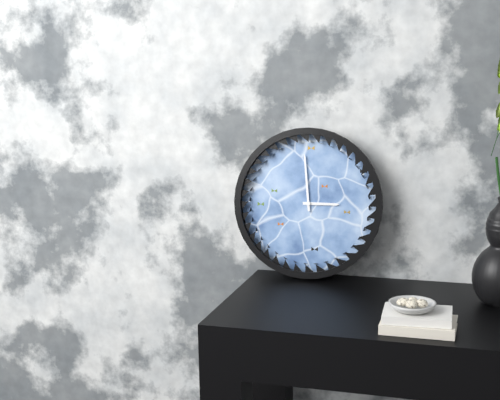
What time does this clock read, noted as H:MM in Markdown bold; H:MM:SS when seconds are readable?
**2:59**
